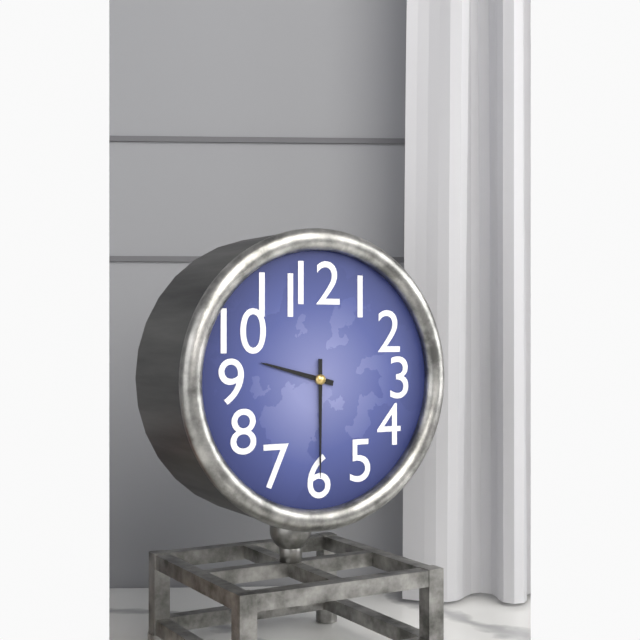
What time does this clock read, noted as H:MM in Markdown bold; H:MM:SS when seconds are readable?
**9:30**
